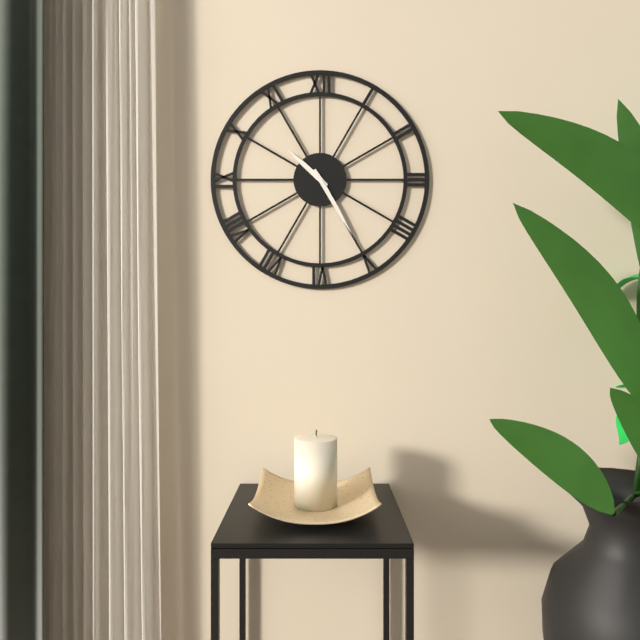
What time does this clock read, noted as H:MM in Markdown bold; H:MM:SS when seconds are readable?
**10:25**
